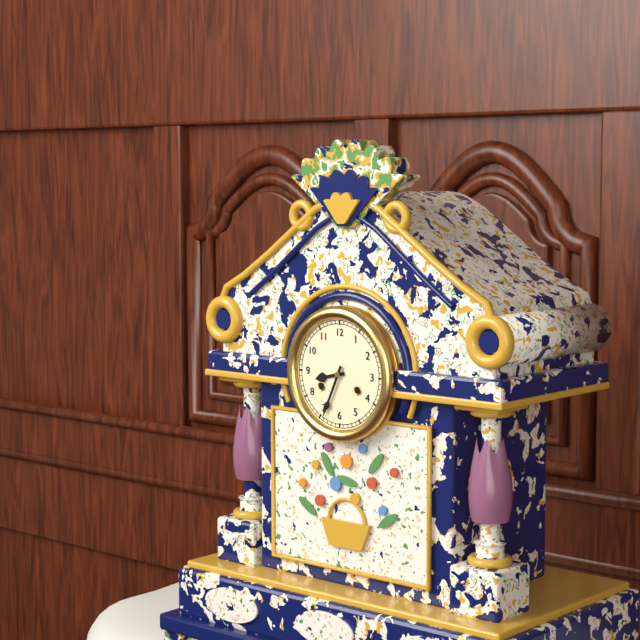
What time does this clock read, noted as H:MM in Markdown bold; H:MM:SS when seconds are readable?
**8:34**
